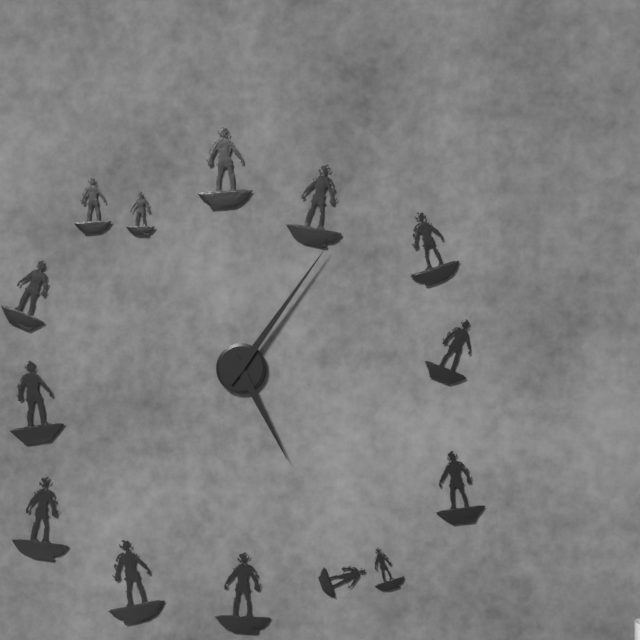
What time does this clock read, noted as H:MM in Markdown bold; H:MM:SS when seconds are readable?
**5:06**
